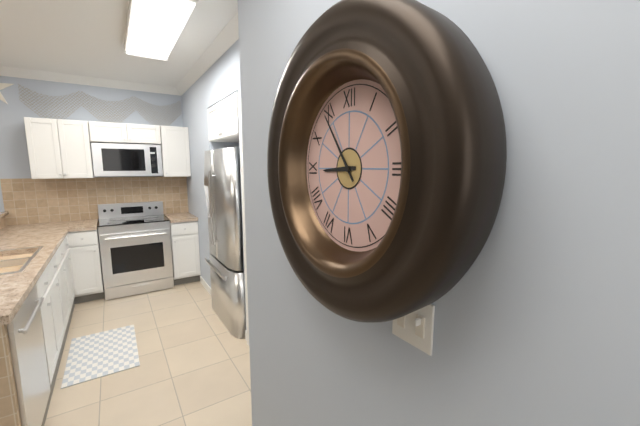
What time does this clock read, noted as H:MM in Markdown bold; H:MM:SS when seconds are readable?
**8:54**
